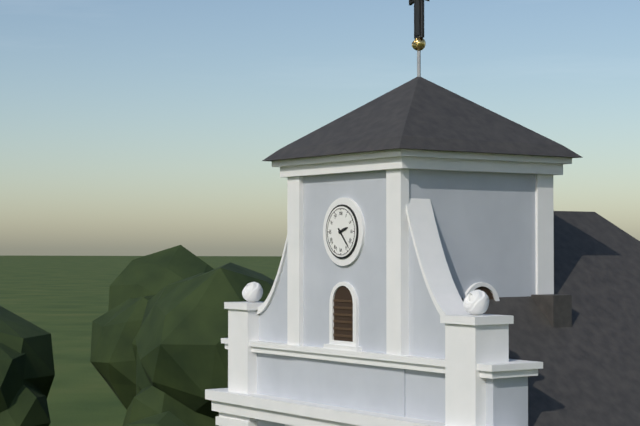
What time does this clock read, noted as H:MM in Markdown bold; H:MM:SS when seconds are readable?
**2:23**
